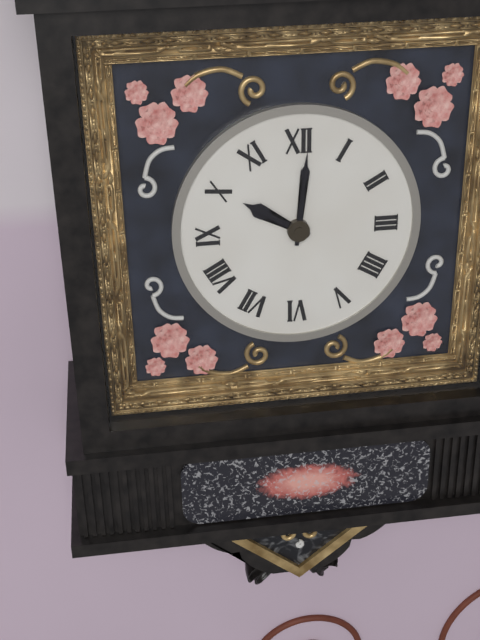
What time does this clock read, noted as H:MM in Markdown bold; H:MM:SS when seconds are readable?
**10:01**
